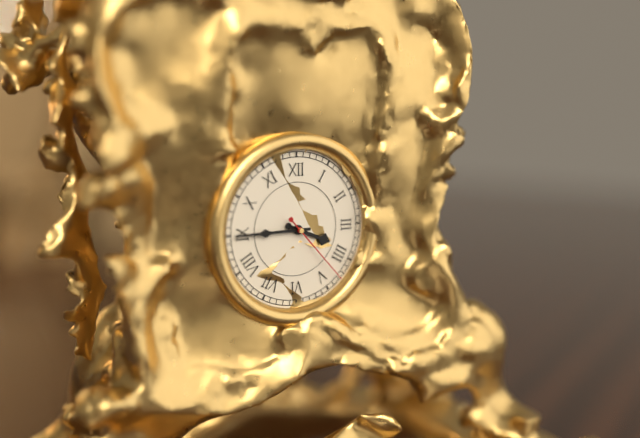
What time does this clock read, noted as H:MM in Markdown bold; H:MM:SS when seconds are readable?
**3:45:23**
